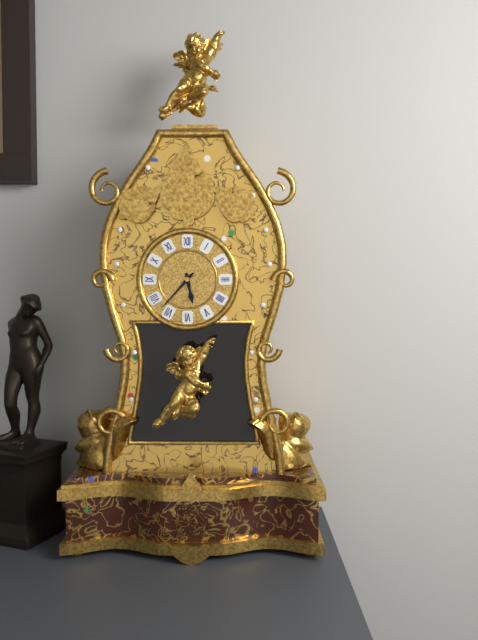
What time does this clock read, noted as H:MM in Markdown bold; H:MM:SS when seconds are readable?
**5:37**
